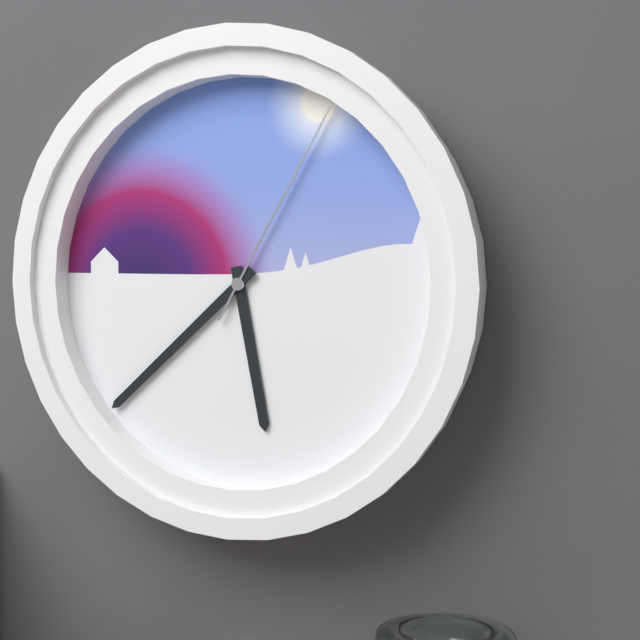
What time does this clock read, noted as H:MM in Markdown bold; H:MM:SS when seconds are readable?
**5:38:05**
